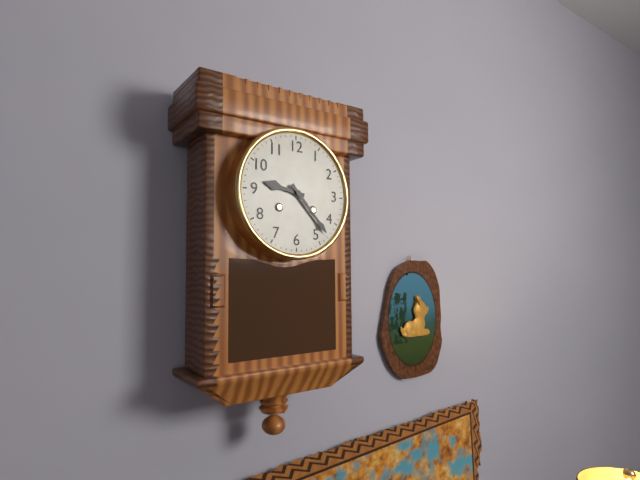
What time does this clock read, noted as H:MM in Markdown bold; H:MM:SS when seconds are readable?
**9:23**
